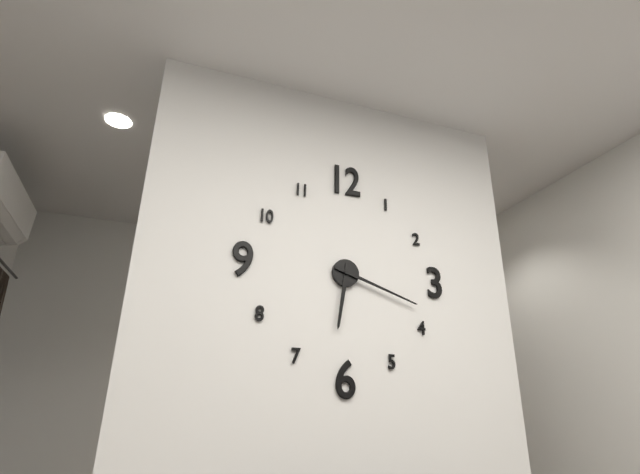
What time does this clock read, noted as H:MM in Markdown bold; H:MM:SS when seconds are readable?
**6:18**
